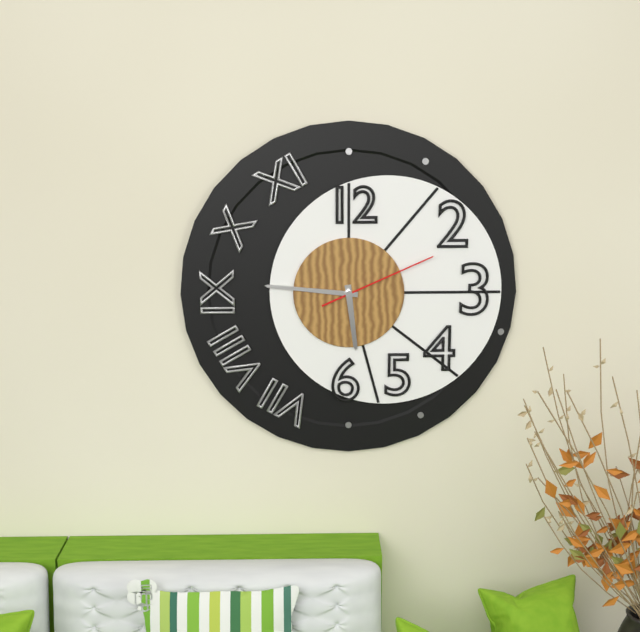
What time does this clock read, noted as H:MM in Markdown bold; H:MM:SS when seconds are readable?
**5:46:11**
